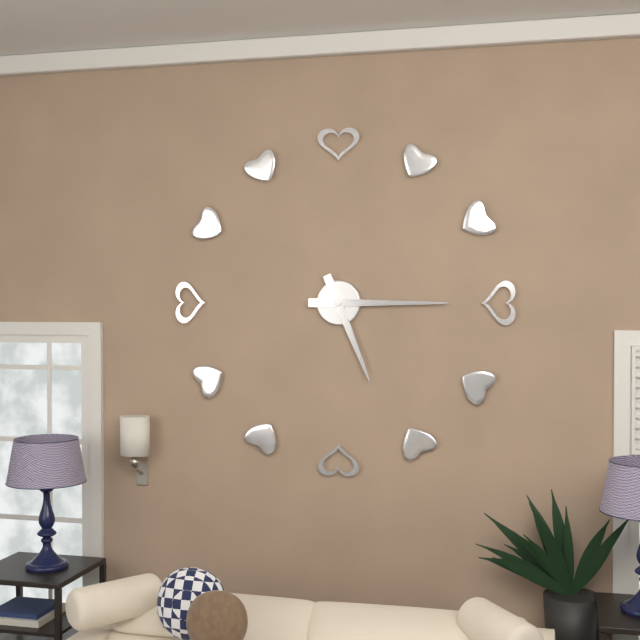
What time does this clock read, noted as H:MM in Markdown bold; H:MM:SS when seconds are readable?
**5:15**
